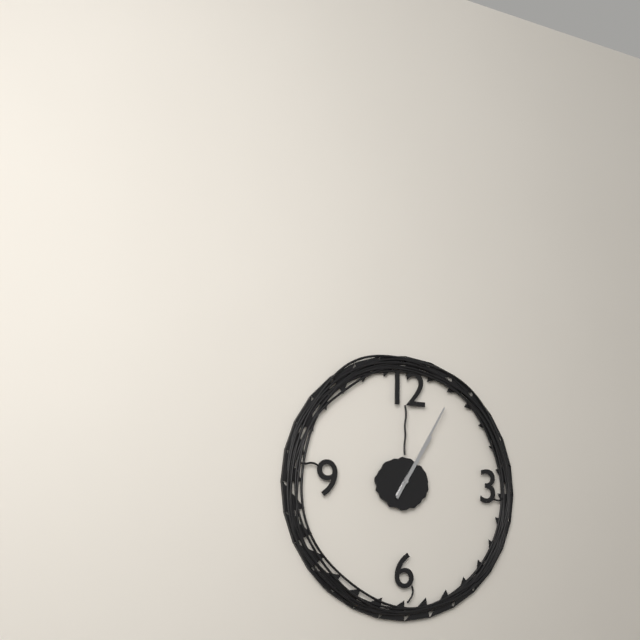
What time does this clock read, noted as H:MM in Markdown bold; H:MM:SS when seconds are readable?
**1:05**
